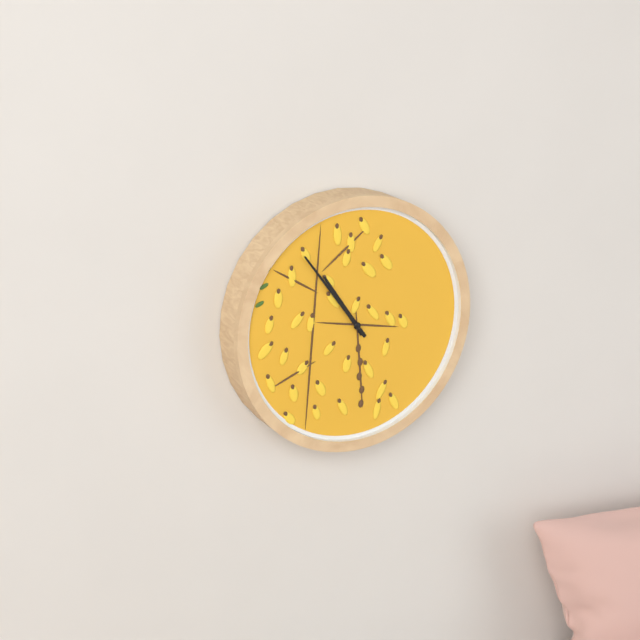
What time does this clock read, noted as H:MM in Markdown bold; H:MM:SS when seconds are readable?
**10:54**
